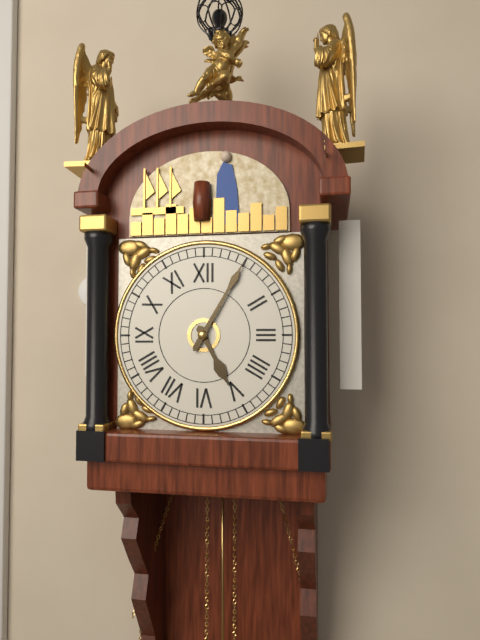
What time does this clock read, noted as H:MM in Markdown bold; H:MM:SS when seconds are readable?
**5:05**
